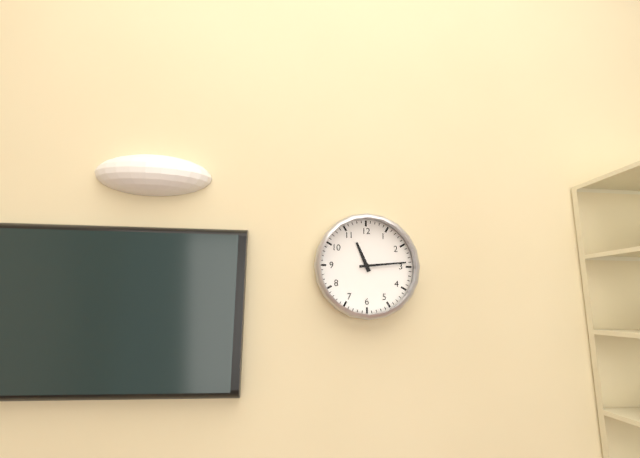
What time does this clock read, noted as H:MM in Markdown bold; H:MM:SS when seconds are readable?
**11:14**
